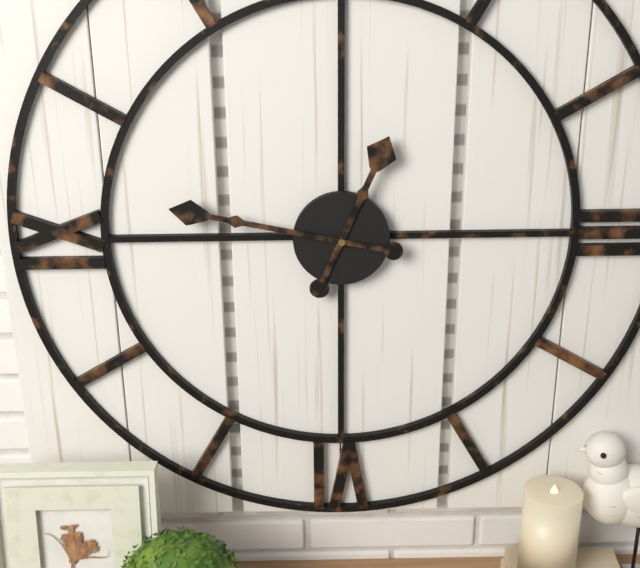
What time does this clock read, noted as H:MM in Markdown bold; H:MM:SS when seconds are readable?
**12:47**
